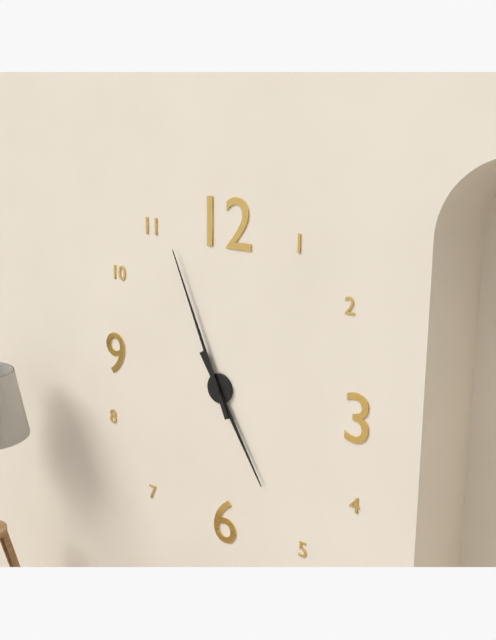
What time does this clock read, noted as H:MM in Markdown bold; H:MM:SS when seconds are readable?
**4:56**
